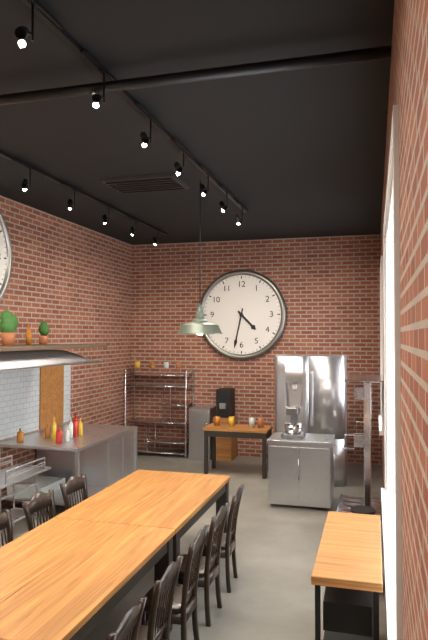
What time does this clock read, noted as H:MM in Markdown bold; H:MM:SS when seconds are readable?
**4:32**
